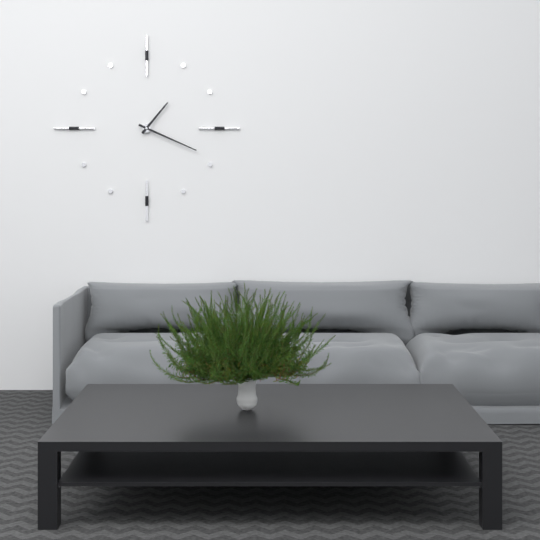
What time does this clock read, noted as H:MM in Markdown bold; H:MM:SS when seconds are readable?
**1:19**
